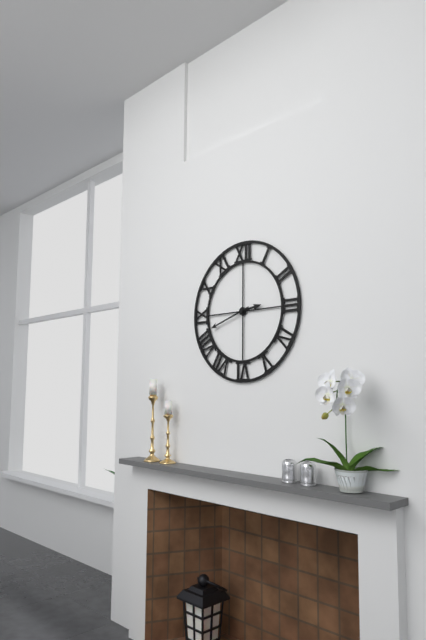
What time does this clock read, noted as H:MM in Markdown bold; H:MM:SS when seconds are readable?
**2:42**
